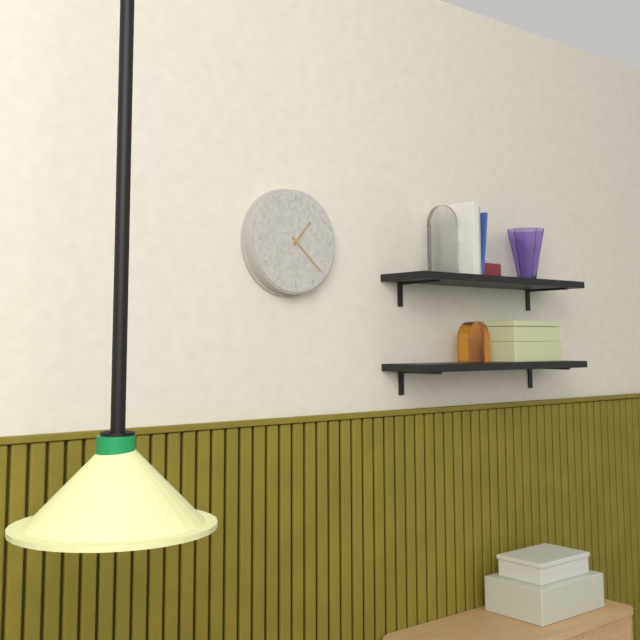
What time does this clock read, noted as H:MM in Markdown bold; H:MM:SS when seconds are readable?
**1:22**
